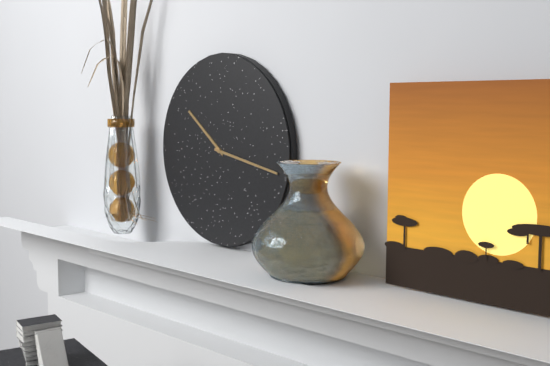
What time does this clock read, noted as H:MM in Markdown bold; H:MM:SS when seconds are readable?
**10:17**
